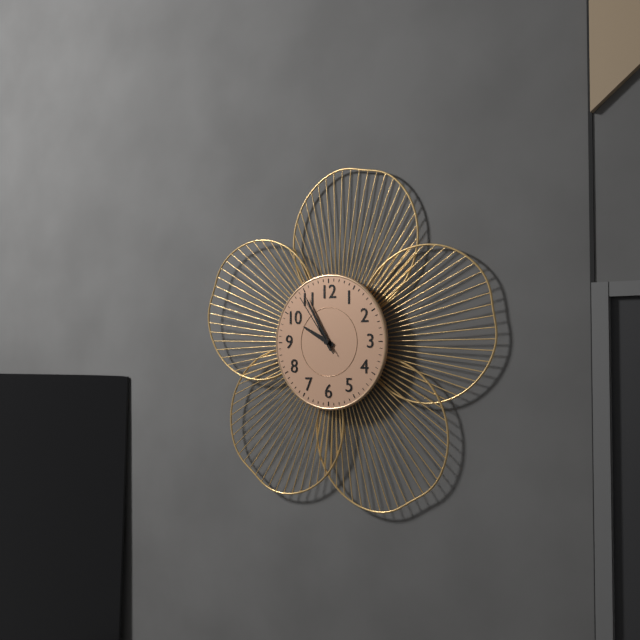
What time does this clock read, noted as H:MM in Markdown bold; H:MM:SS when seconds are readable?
**9:55:54**
